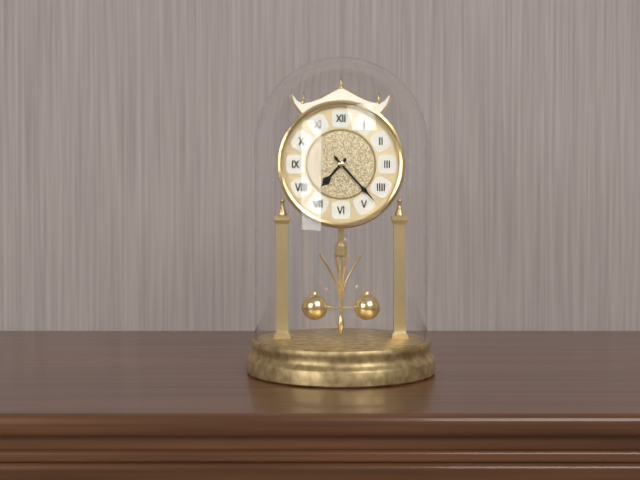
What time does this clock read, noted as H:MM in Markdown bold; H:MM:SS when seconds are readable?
**7:23**
